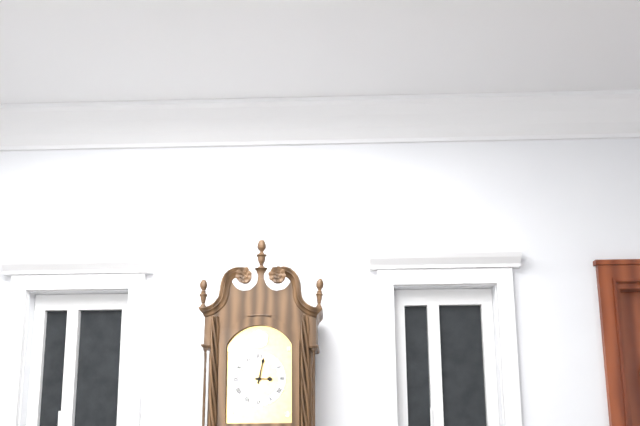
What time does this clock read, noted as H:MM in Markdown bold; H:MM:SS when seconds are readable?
**3:02**
